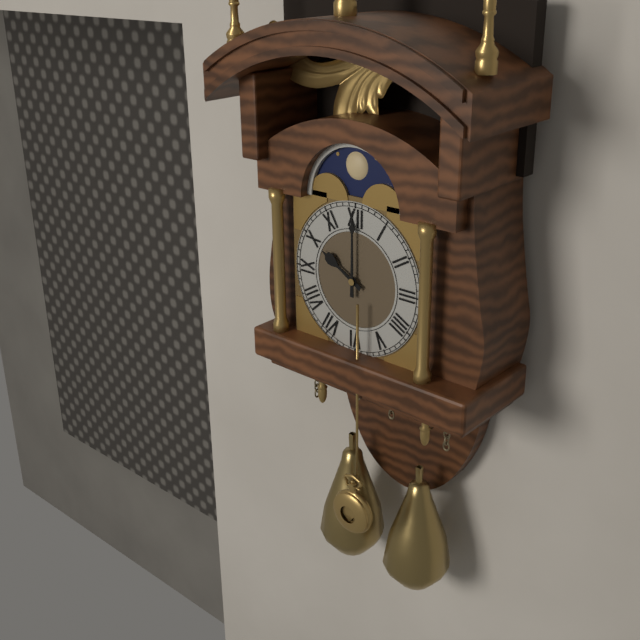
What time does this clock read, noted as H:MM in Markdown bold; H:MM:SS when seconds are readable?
**10:00**
